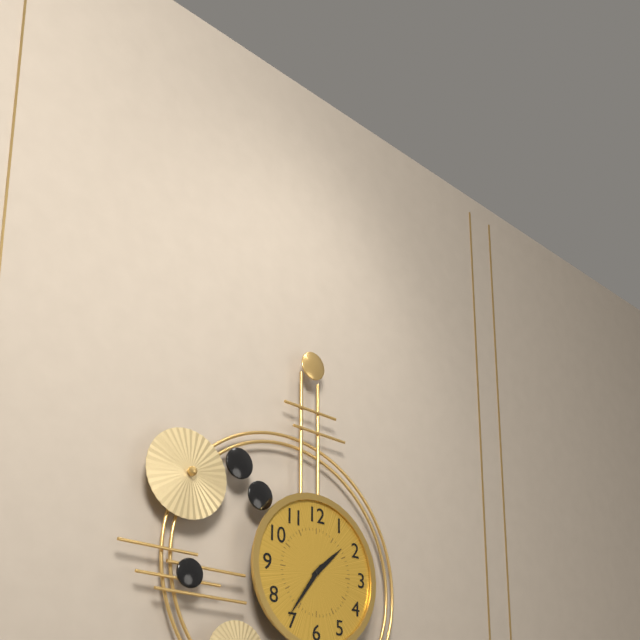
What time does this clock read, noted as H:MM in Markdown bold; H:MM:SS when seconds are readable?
**1:36**
